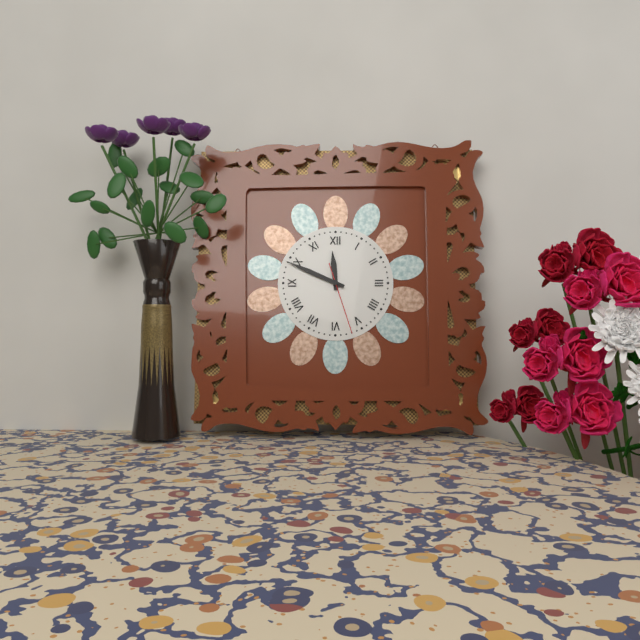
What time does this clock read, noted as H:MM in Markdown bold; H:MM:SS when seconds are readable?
**11:49:27**
